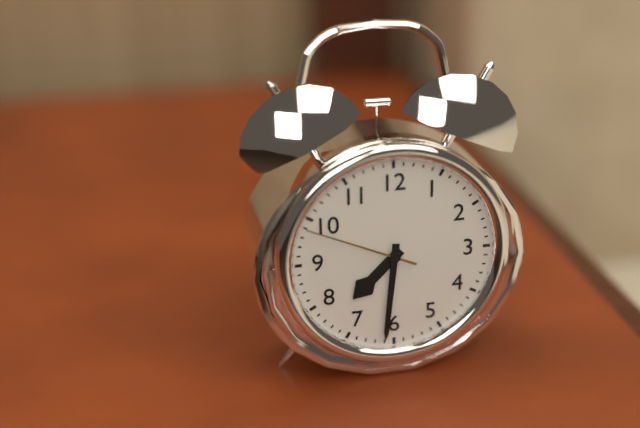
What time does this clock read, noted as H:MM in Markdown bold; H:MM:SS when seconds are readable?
**7:31:49**
